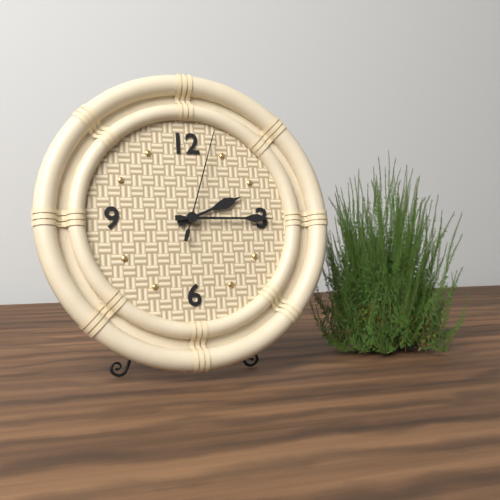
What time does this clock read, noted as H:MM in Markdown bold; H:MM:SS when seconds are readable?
**2:15:03**
